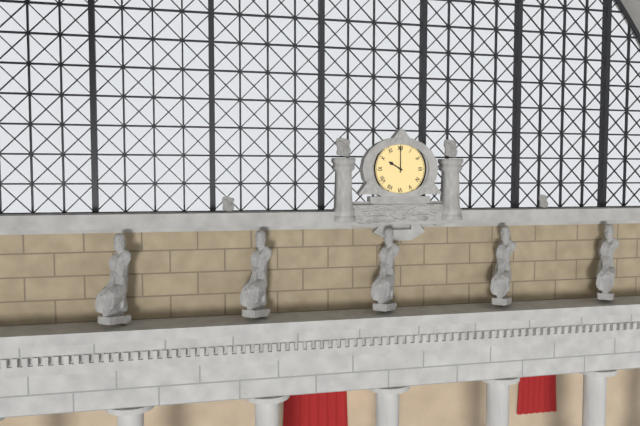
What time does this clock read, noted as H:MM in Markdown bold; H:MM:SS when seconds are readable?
**10:00**
